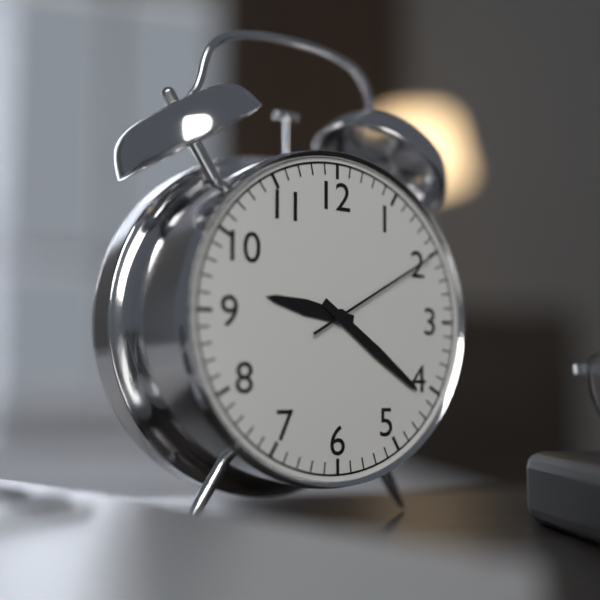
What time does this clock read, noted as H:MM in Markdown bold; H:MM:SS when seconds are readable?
**9:21:10**
